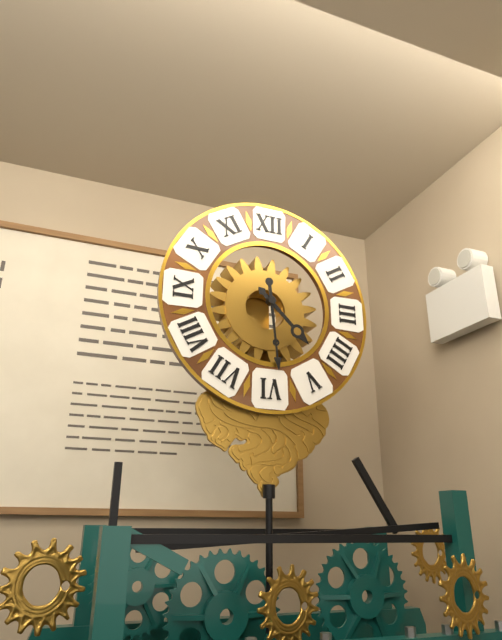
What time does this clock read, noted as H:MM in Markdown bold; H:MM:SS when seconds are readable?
**4:29**
